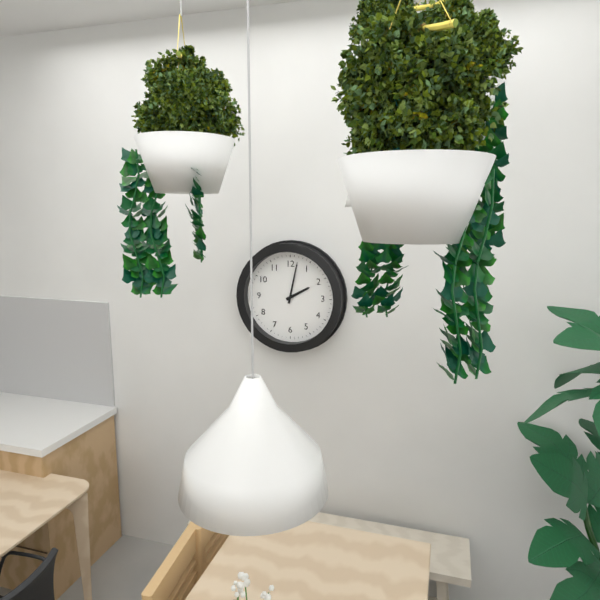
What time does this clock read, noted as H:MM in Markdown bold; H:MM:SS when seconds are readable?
**2:02**
